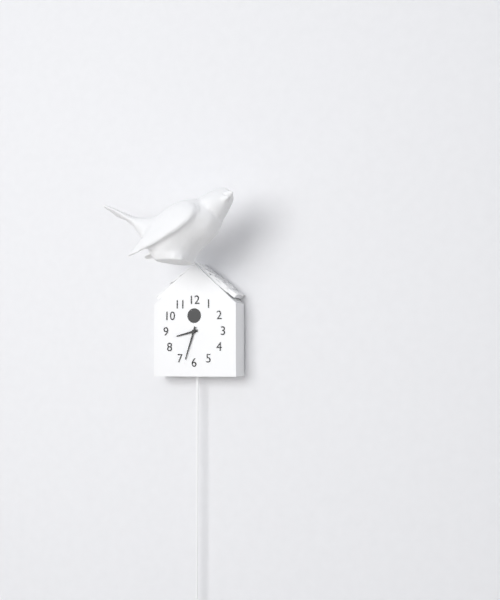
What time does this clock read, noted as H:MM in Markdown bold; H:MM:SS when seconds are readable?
**8:33**
